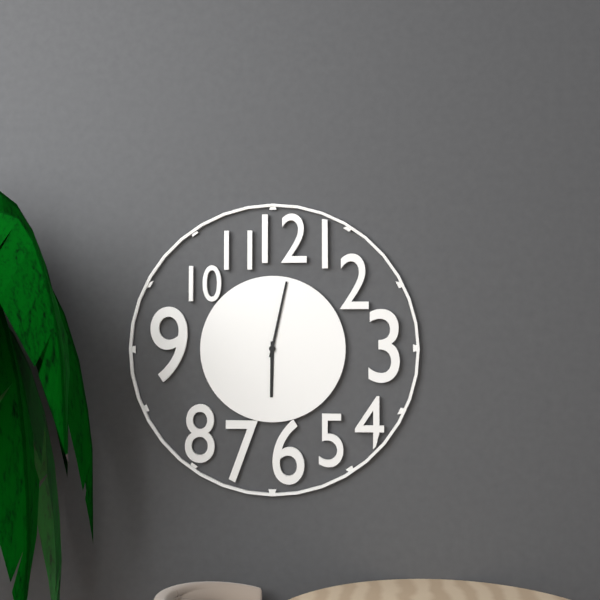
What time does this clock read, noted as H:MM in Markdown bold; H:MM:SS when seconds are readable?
**6:02**
